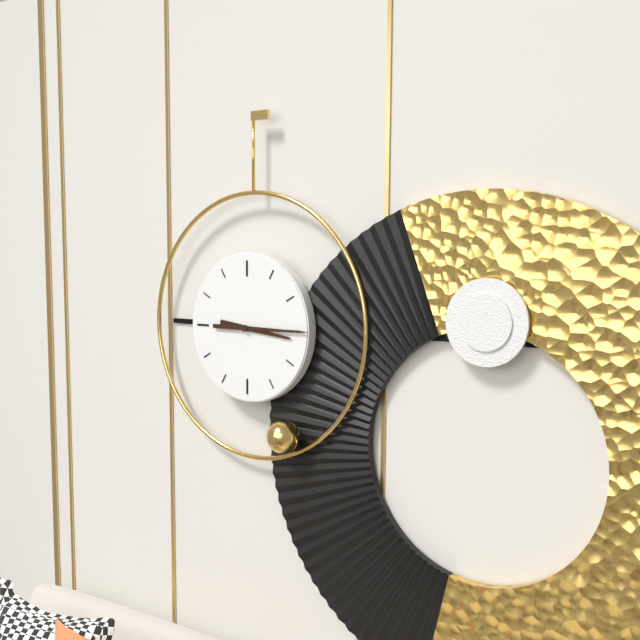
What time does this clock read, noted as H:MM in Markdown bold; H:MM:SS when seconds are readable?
**3:15**
